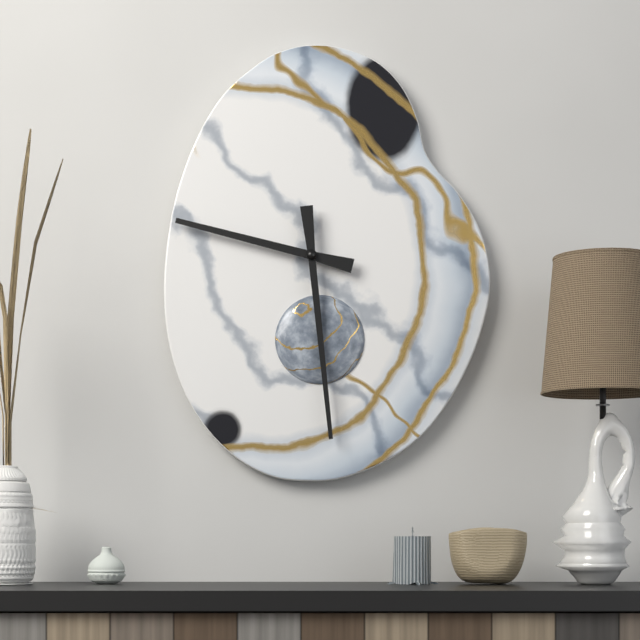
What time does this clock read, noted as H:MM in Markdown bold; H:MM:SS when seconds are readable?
**9:29**
